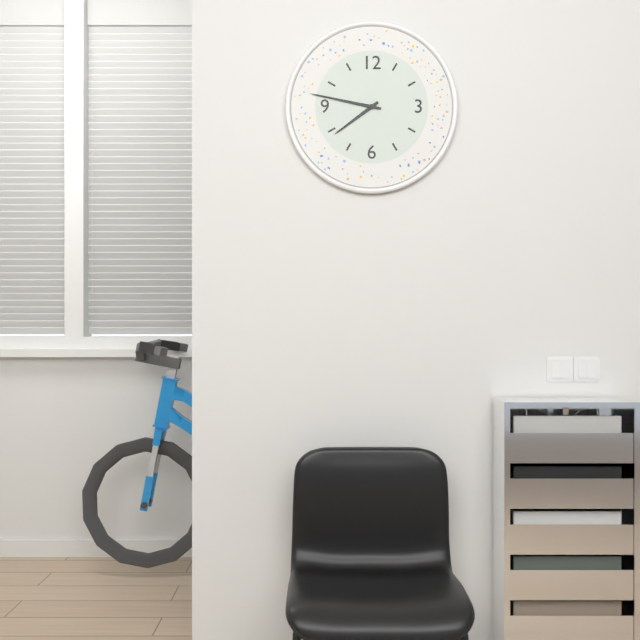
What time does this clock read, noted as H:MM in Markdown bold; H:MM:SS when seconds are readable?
**7:47**
